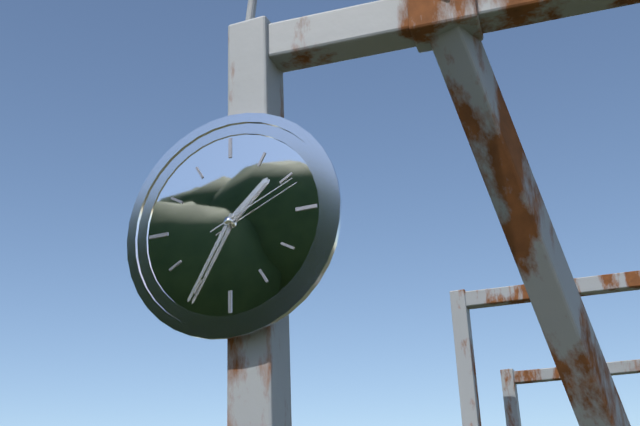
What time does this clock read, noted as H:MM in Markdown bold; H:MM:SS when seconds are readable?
**1:35:11**
